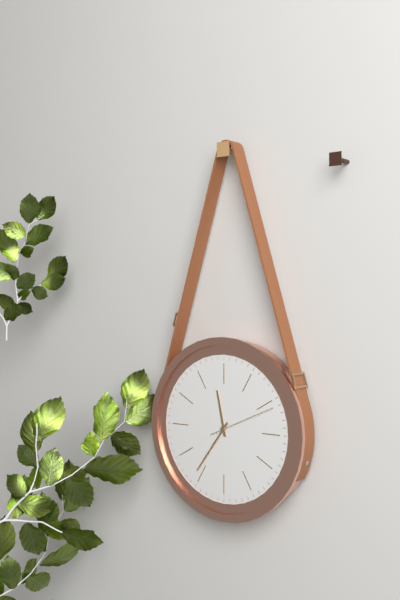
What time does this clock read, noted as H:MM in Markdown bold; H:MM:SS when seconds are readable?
**11:36:11**
